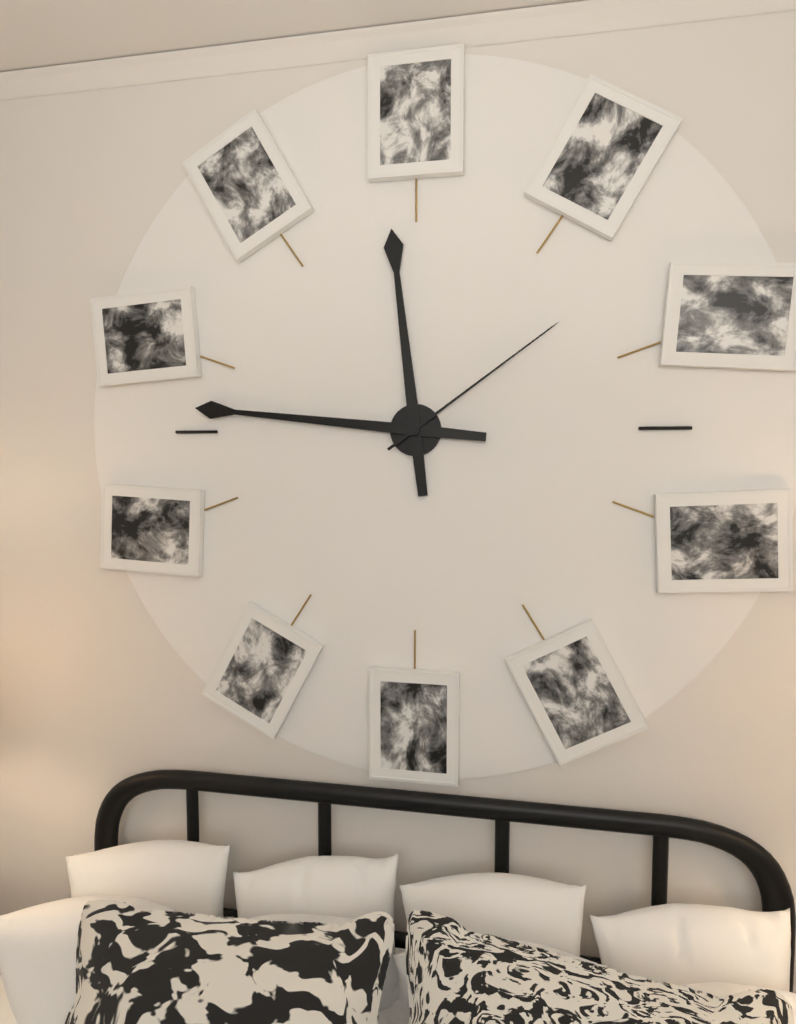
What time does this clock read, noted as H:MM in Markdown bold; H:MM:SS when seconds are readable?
**11:46:09**
